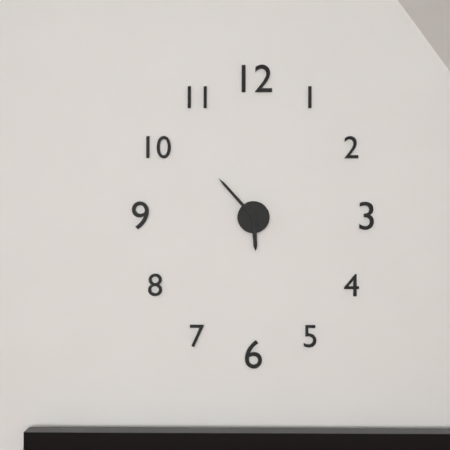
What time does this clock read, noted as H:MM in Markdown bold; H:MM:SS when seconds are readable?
**5:53**
